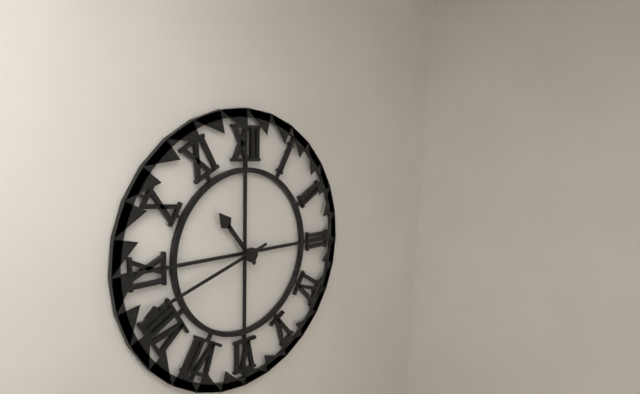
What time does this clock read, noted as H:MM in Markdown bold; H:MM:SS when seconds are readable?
**10:42**
